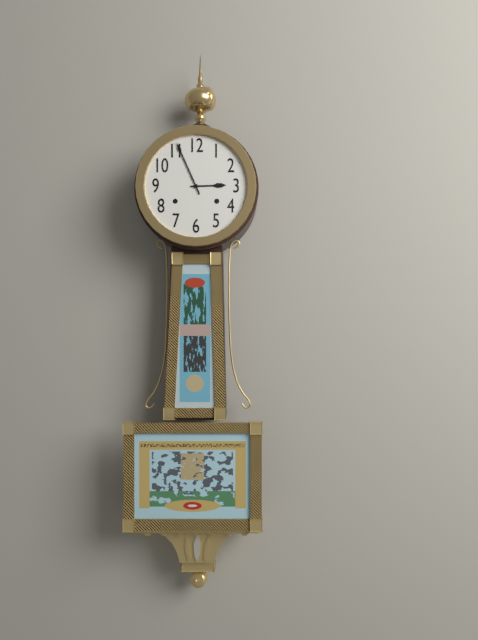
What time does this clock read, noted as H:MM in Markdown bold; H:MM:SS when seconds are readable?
**2:56**
